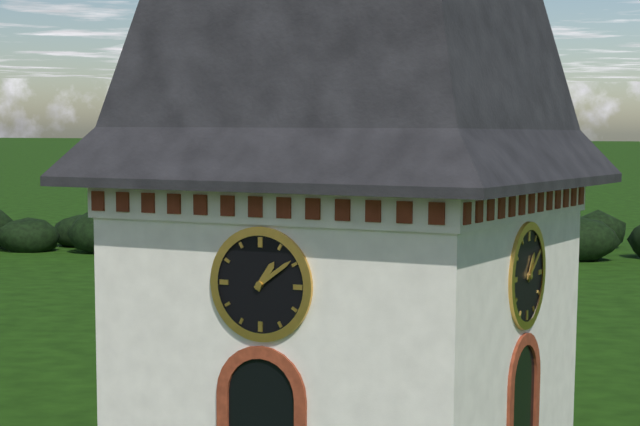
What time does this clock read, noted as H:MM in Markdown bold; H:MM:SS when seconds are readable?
**1:09**
